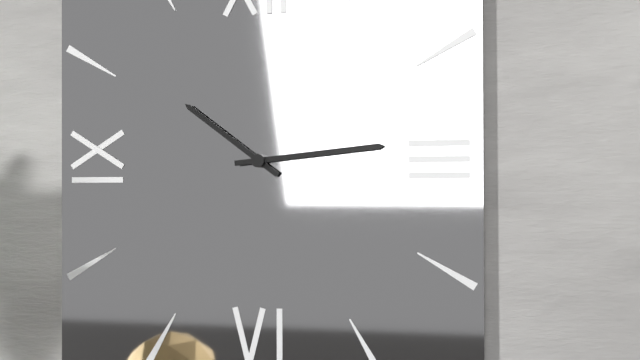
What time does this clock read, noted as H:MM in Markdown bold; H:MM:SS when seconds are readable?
**10:14**
